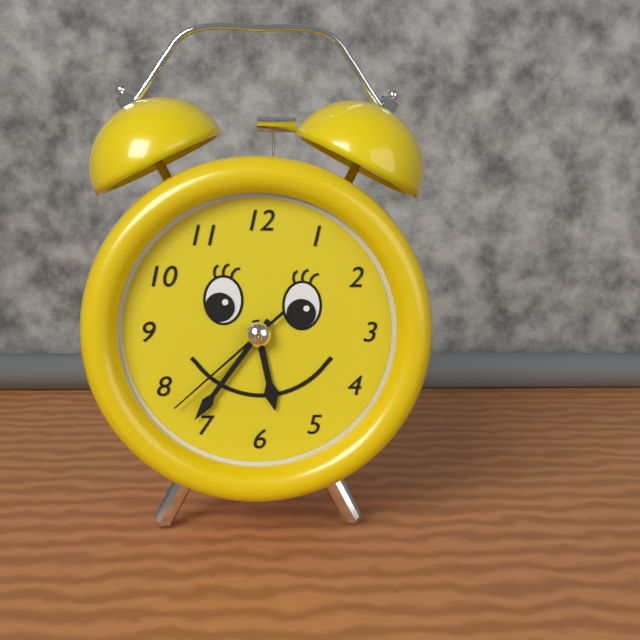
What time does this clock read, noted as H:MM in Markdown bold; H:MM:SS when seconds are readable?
**5:36:38**
